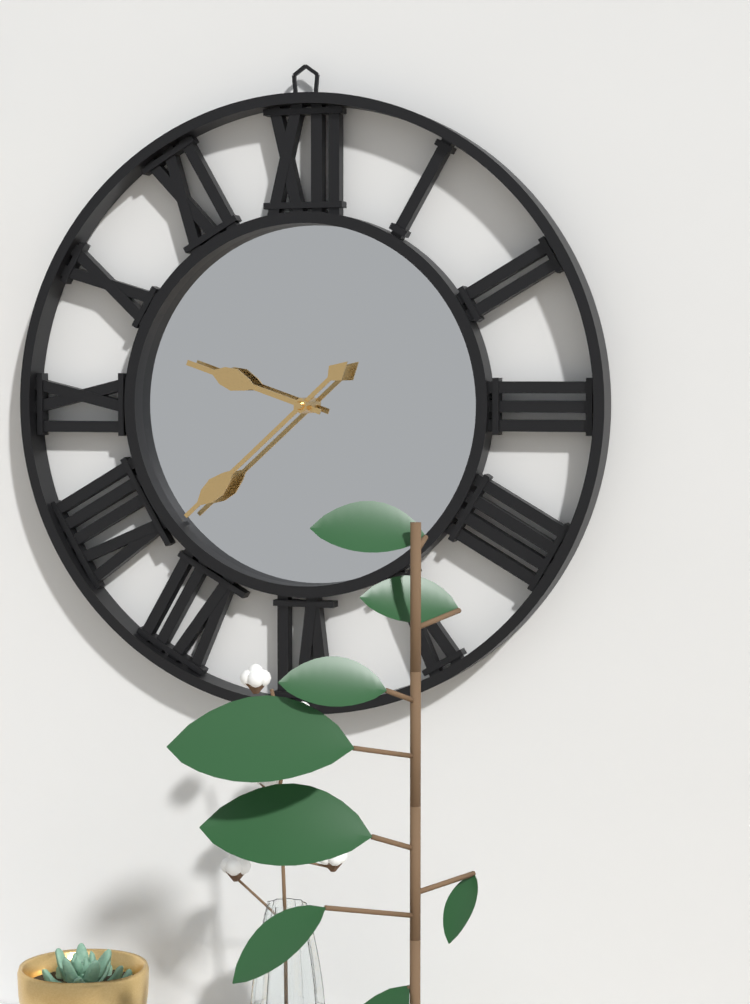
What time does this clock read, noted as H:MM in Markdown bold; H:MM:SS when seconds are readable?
**9:38**
